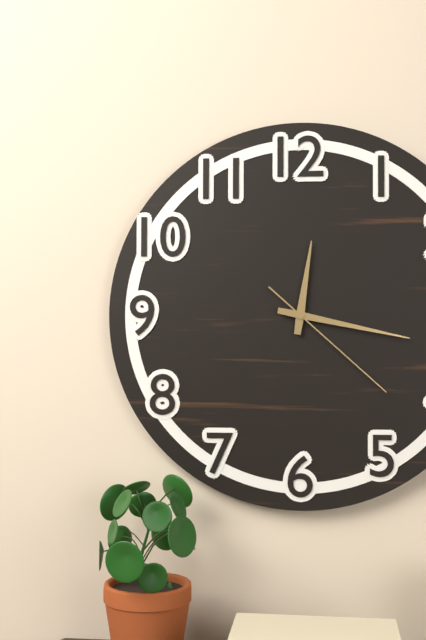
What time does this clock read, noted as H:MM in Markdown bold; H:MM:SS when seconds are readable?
**12:17:22**
